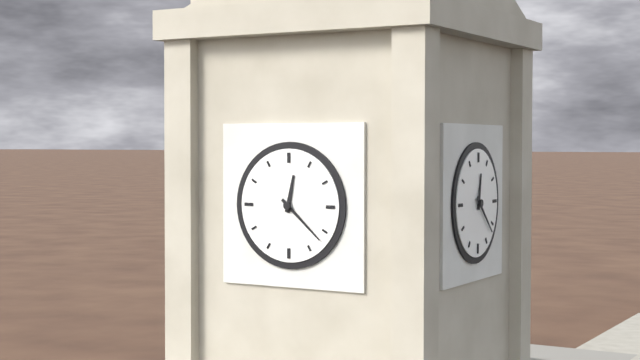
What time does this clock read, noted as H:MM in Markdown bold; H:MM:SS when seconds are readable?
**12:22**
